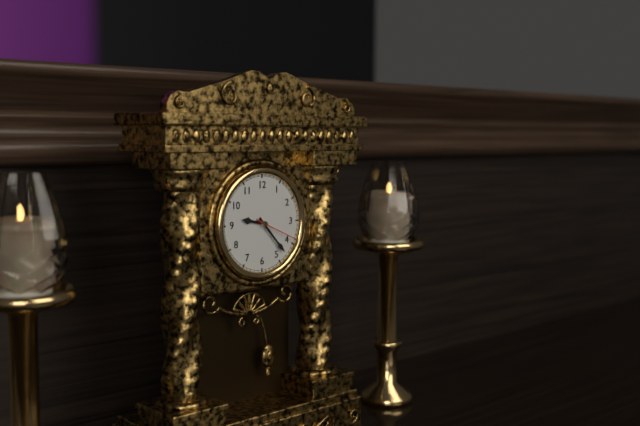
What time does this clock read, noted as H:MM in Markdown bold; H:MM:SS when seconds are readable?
**9:23**
